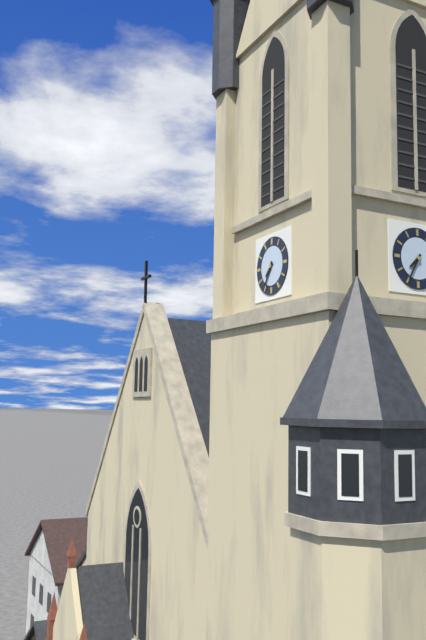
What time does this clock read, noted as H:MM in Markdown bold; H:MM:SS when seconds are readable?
**7:35**
